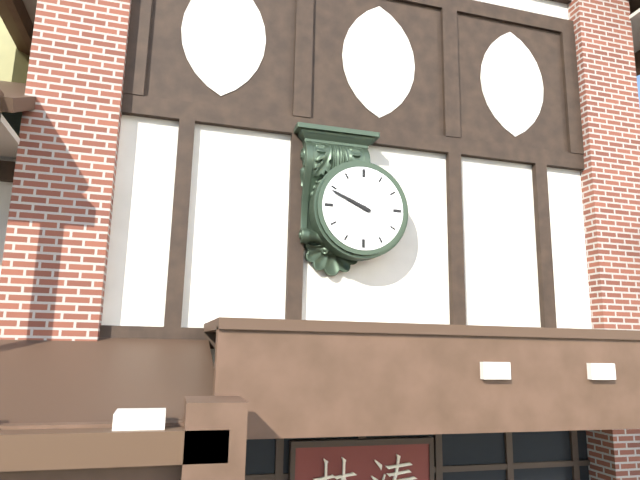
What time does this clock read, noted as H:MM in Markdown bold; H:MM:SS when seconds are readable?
**9:49**
